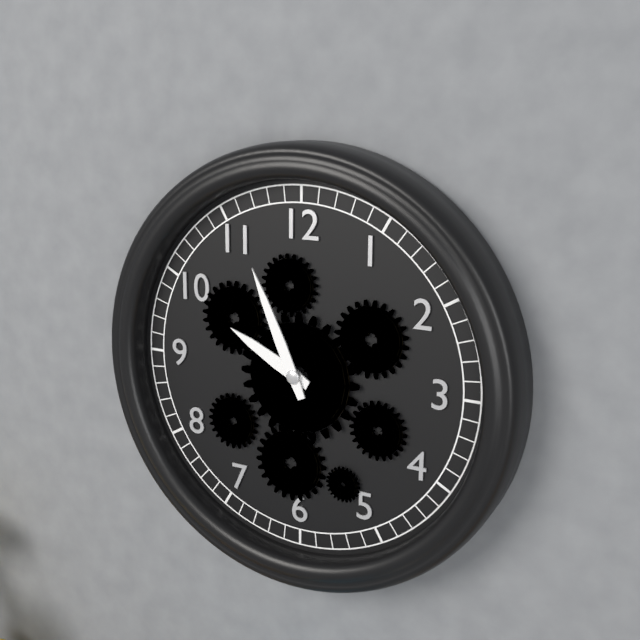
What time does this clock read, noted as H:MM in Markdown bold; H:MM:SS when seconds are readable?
**9:56**
